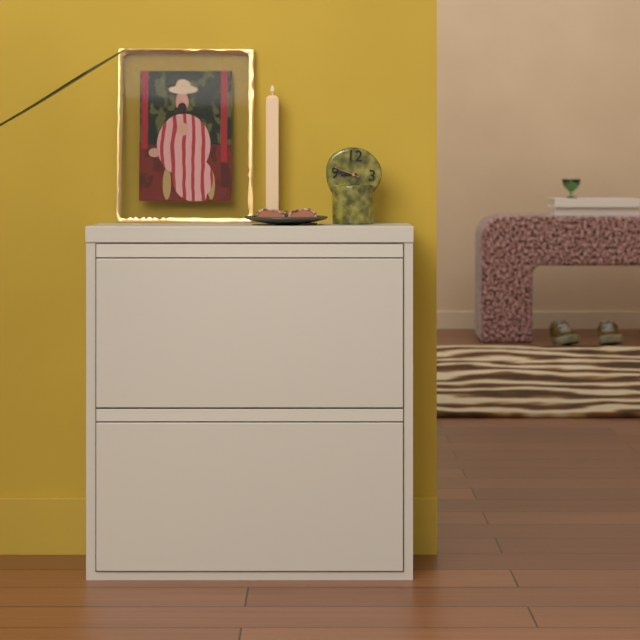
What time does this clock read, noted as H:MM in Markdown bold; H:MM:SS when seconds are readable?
**8:46**
